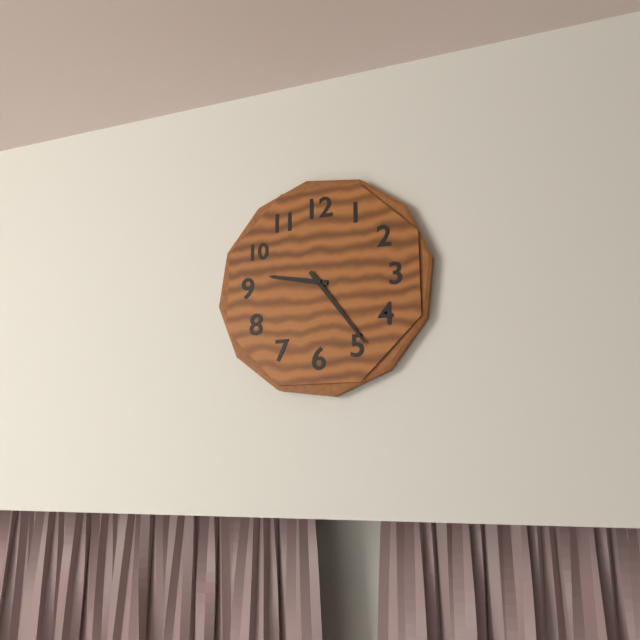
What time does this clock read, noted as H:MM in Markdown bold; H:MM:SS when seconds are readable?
**9:24**
